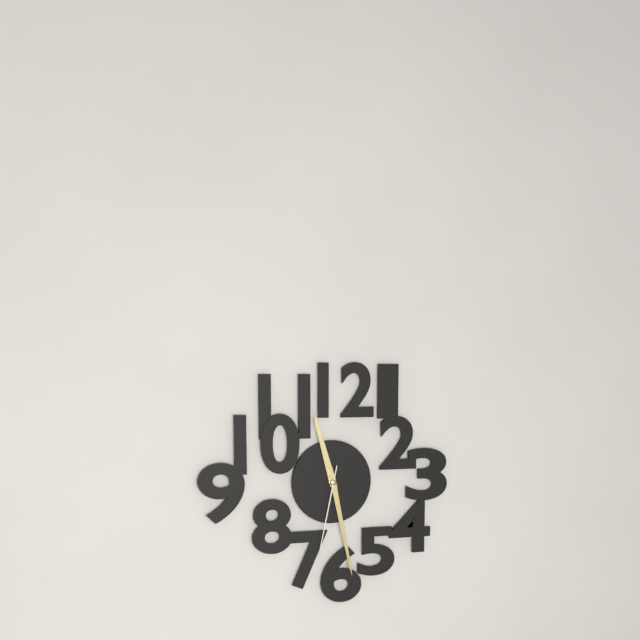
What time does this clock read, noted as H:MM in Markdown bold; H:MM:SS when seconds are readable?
**11:28:32**
